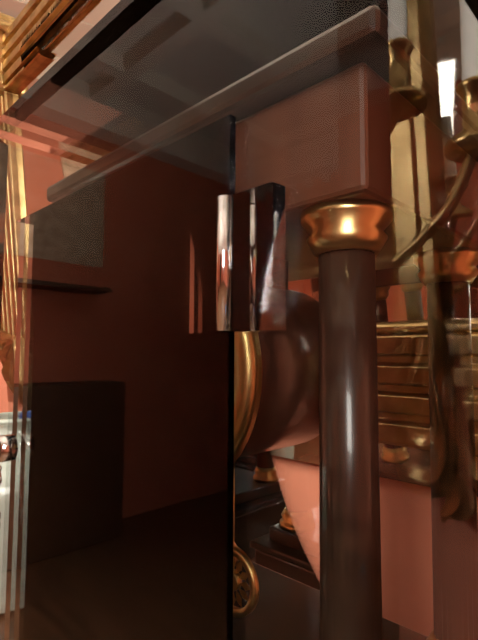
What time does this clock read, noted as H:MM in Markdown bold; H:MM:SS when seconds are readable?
**6:10**
